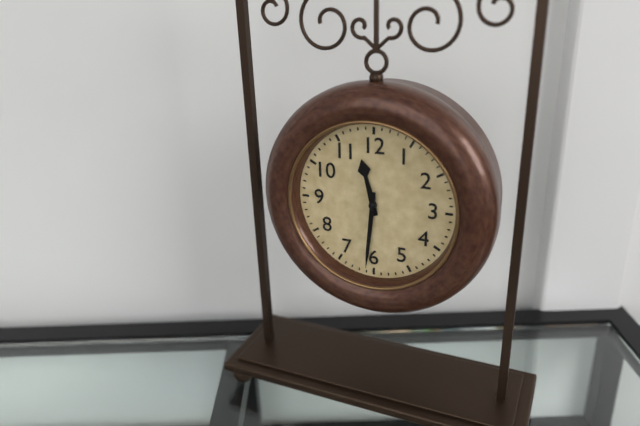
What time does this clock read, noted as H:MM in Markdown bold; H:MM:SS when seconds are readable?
**11:31**
